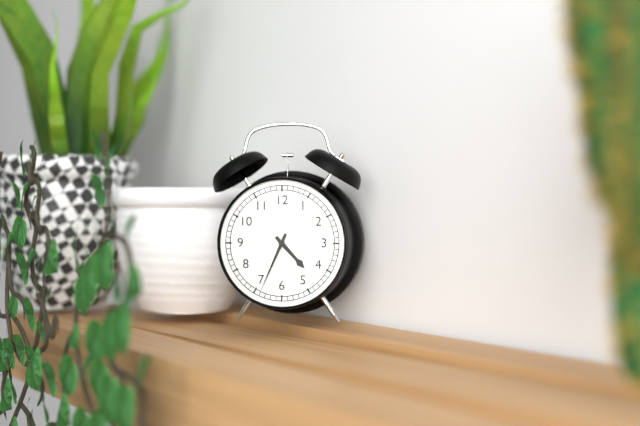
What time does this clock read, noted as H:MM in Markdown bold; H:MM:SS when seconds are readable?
**4:34**
